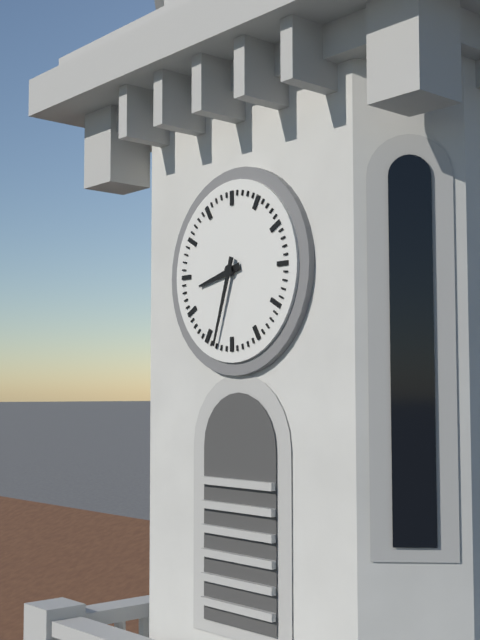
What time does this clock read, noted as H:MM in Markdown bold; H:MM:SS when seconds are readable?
**8:33**
